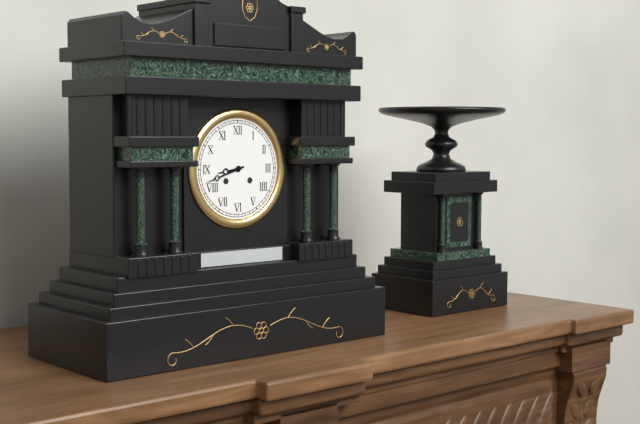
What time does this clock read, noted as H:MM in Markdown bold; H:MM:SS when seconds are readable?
**8:42**
